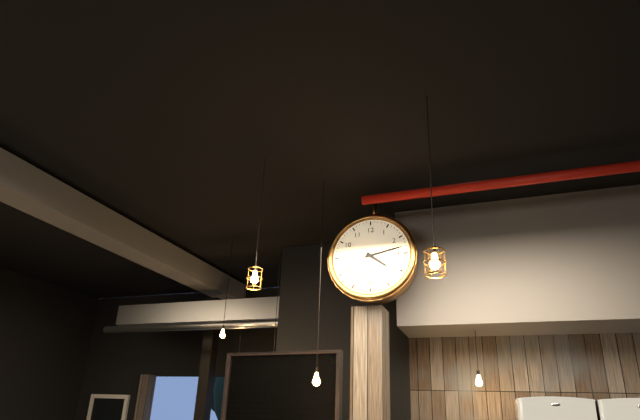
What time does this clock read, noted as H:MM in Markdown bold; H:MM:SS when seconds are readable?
**4:13**
